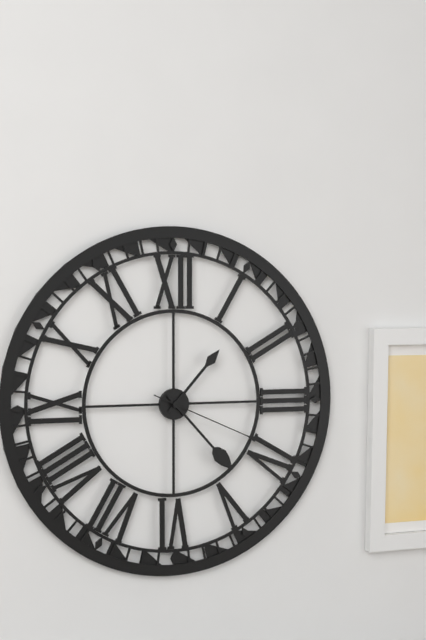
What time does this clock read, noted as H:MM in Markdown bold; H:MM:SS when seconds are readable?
**1:23:19**
